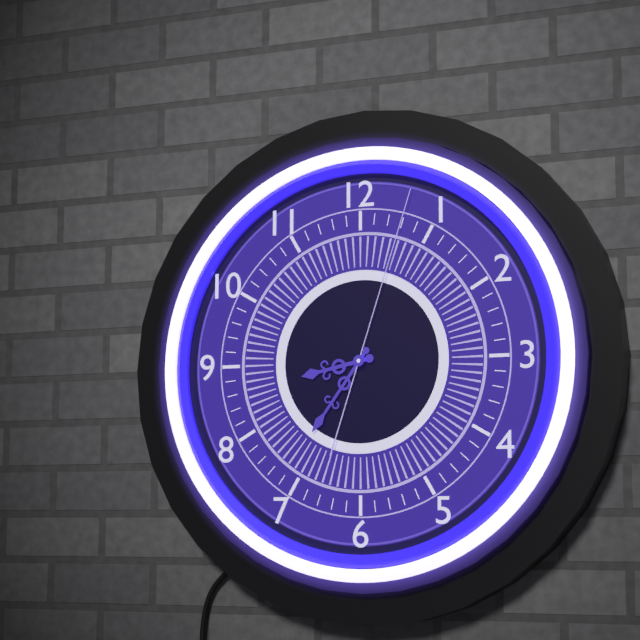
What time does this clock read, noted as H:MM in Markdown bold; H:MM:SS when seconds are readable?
**8:36:03**
